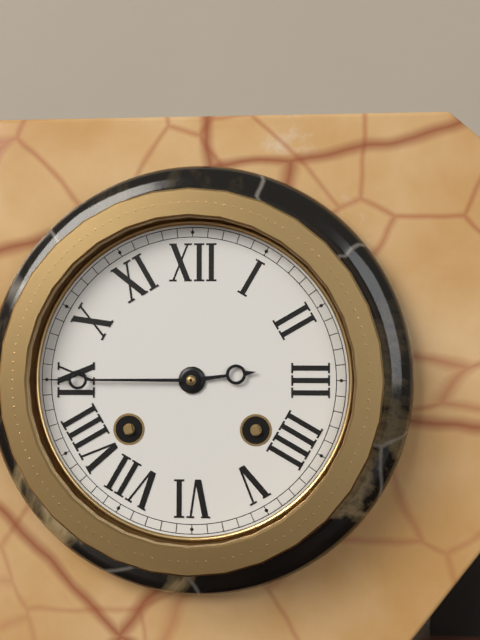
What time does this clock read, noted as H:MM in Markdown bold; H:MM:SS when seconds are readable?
**2:45**
